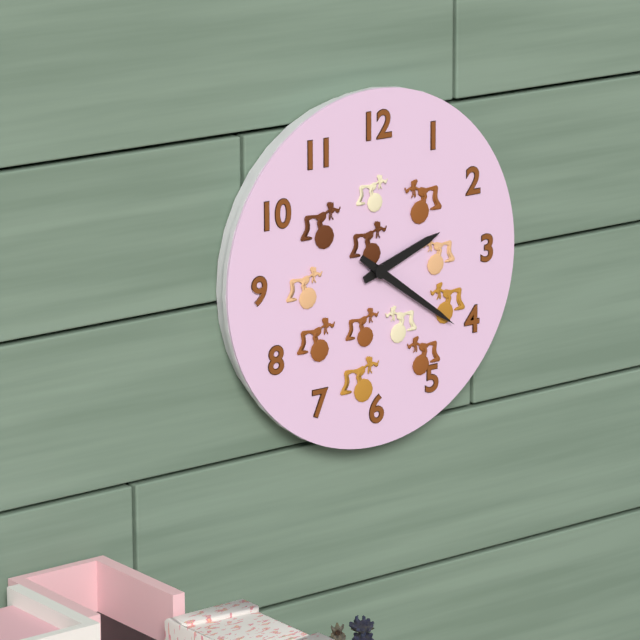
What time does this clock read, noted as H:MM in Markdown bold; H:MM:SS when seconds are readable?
**2:21**
